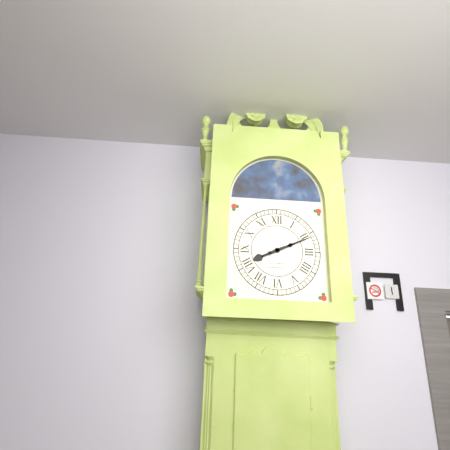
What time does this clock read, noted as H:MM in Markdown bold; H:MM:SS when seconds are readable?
**8:11**
